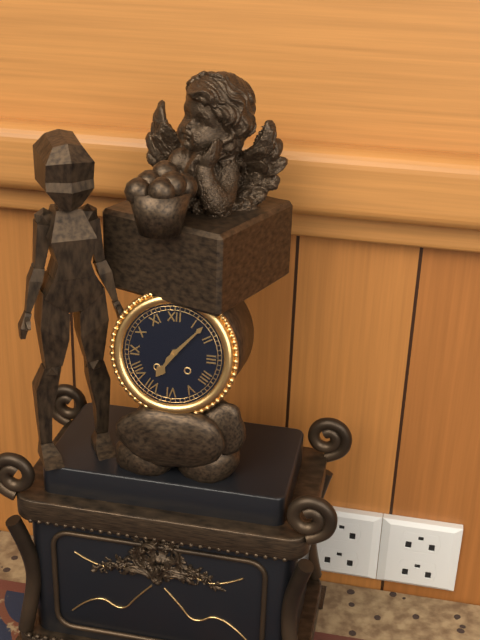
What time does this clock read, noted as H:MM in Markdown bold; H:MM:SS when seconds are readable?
**7:07**
